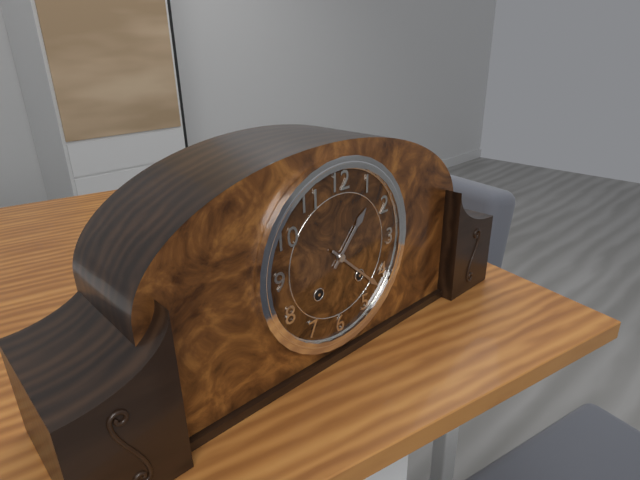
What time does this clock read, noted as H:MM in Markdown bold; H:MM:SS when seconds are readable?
**1:22**
